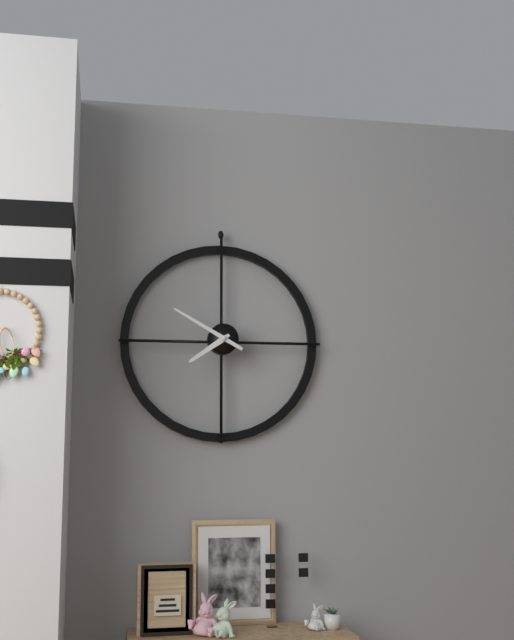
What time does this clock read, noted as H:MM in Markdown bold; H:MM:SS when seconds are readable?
**7:50**
